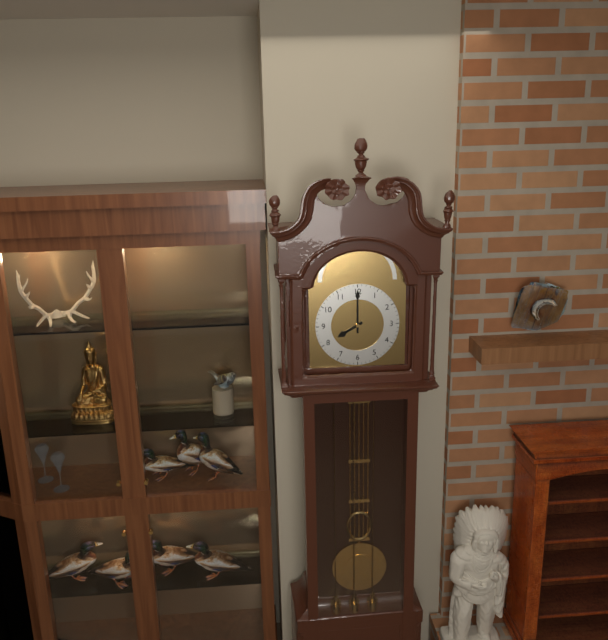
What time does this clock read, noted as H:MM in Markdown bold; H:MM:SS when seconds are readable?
**8:00**
